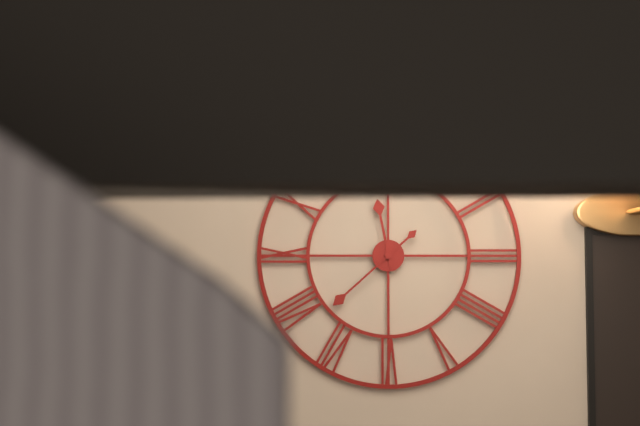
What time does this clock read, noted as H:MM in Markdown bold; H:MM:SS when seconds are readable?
**11:38**
